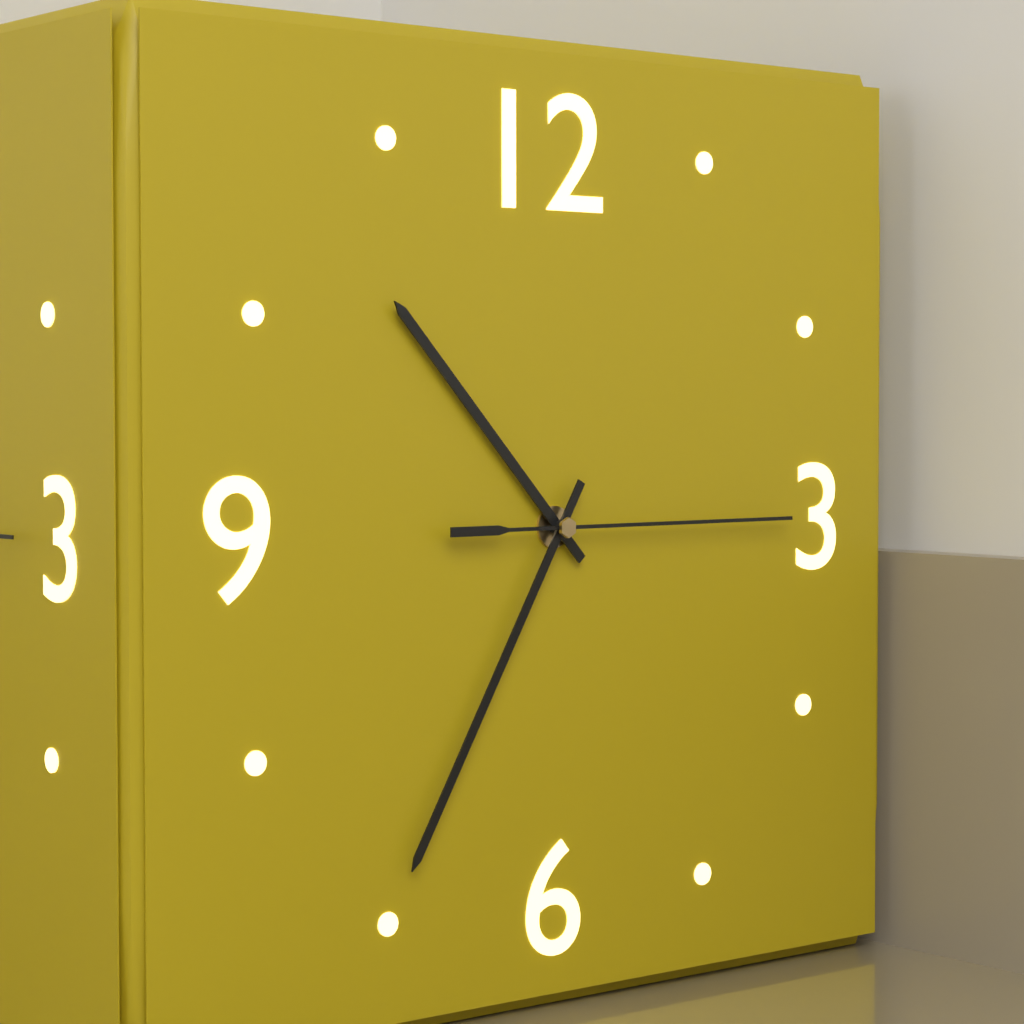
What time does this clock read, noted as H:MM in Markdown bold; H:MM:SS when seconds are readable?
**10:35:15**
